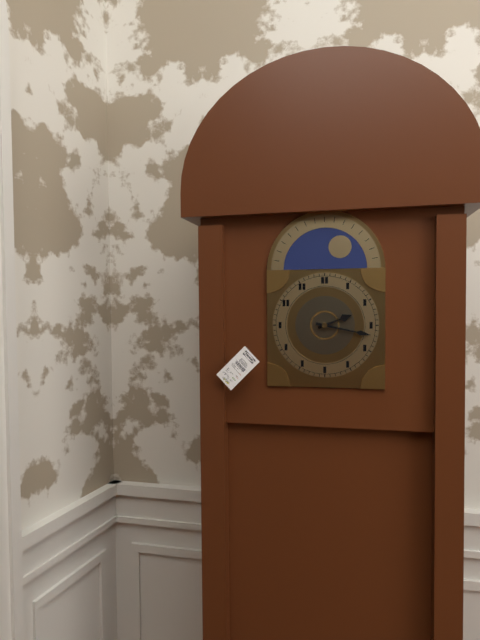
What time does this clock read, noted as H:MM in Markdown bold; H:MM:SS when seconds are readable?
**2:17**
